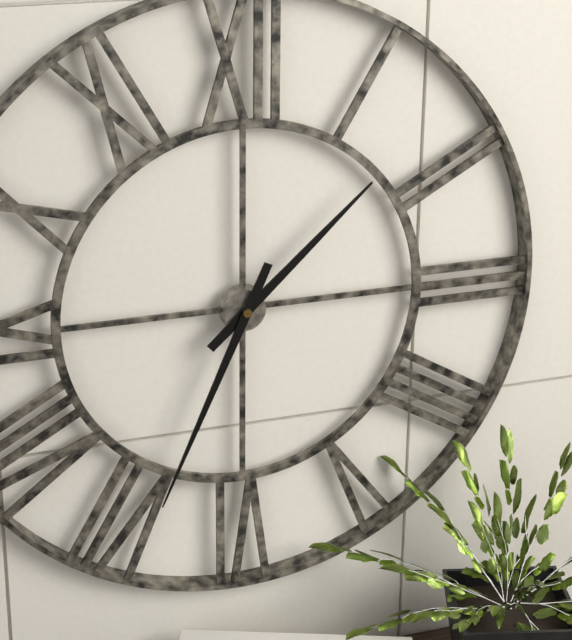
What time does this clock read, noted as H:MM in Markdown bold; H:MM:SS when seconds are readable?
**1:34**
